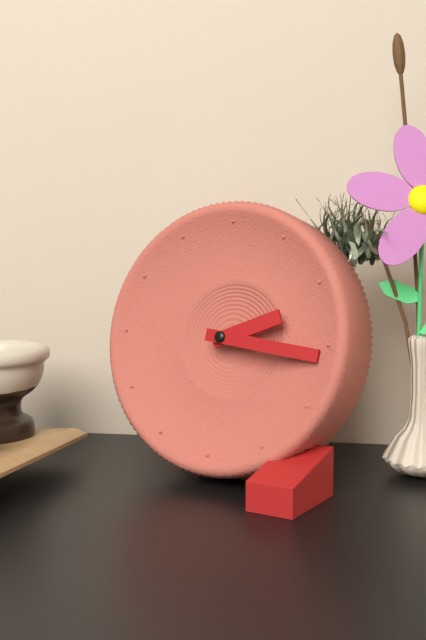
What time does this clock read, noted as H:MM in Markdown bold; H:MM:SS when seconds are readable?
**2:16**
